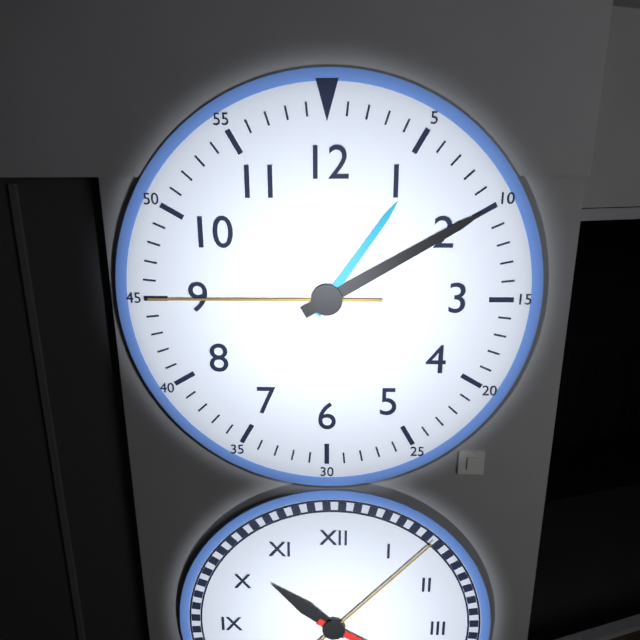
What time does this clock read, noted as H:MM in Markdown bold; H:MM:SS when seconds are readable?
**1:10:45**
